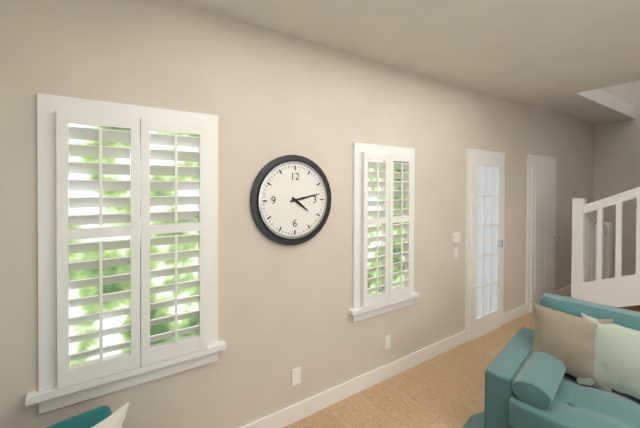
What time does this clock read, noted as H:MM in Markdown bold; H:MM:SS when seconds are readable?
**4:13**
